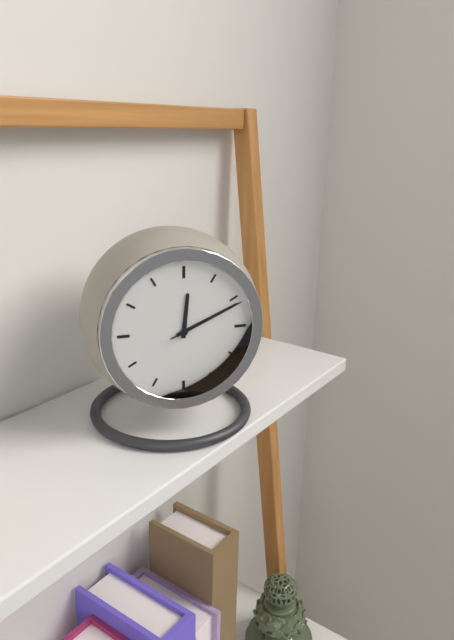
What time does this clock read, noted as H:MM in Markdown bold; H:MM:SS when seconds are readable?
**12:11:11**
